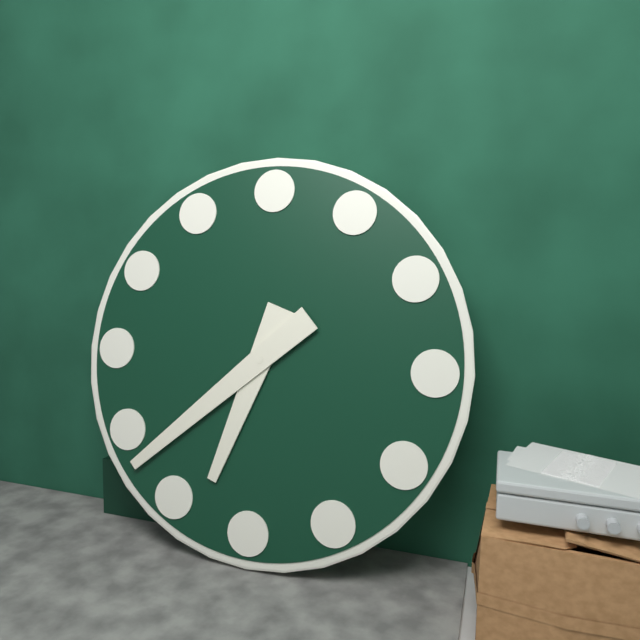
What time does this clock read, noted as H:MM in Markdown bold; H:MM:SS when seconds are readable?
**6:38**
